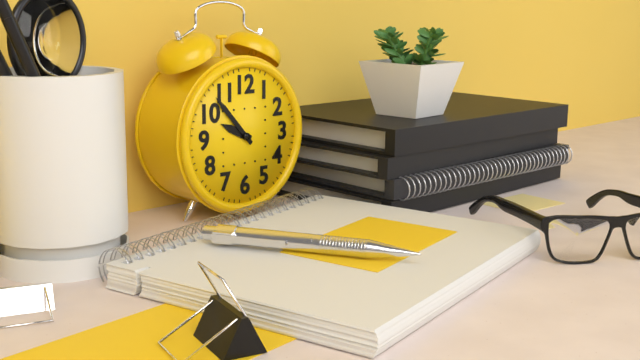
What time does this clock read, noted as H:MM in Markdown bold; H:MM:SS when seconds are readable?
**9:53**
